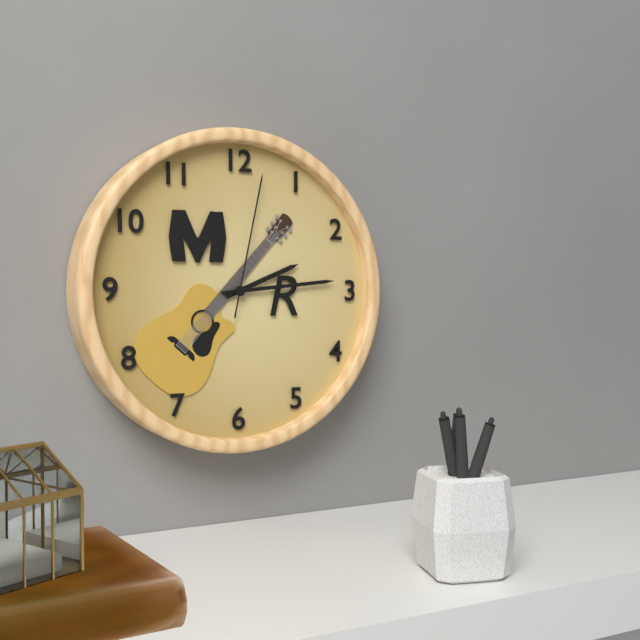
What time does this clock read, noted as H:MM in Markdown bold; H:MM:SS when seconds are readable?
**2:14:02**
